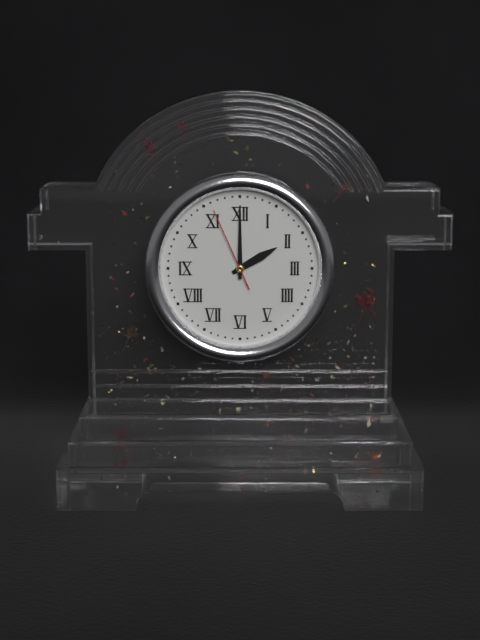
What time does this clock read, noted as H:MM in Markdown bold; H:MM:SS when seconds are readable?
**2:00:56**
